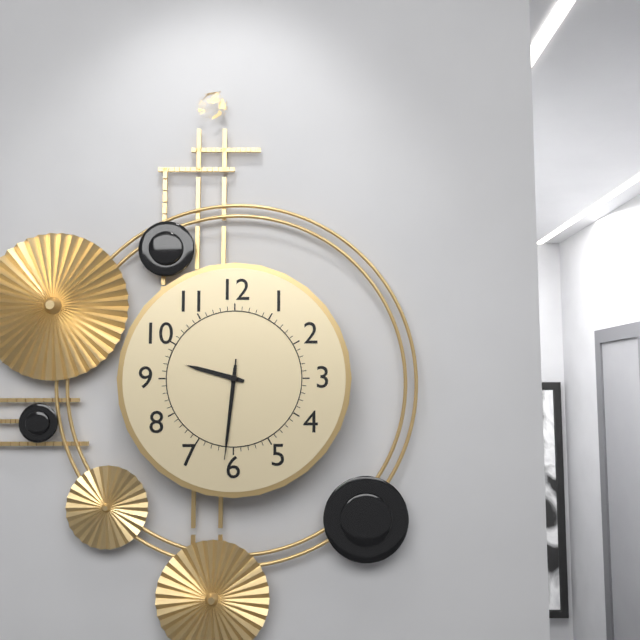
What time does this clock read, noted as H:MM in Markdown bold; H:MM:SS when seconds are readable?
**9:31:31**
